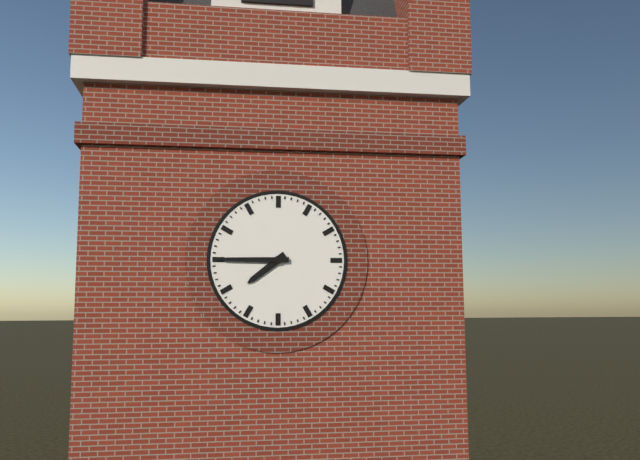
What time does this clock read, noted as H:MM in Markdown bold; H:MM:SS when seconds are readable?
**7:45**
